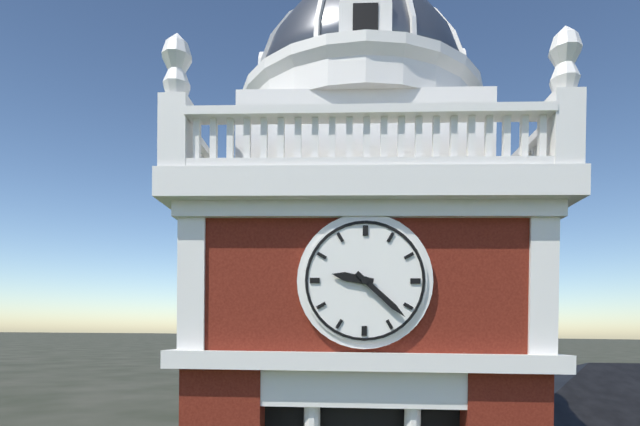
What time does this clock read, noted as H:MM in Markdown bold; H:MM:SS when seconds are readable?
**9:22**
